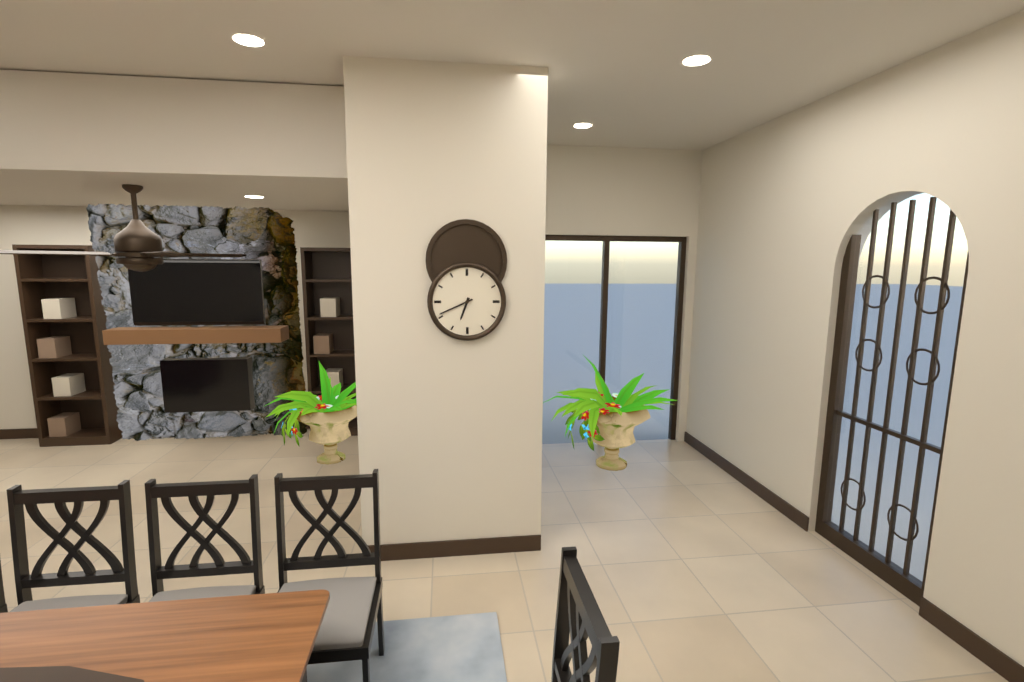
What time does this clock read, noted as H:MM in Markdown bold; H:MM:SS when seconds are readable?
**6:41**
